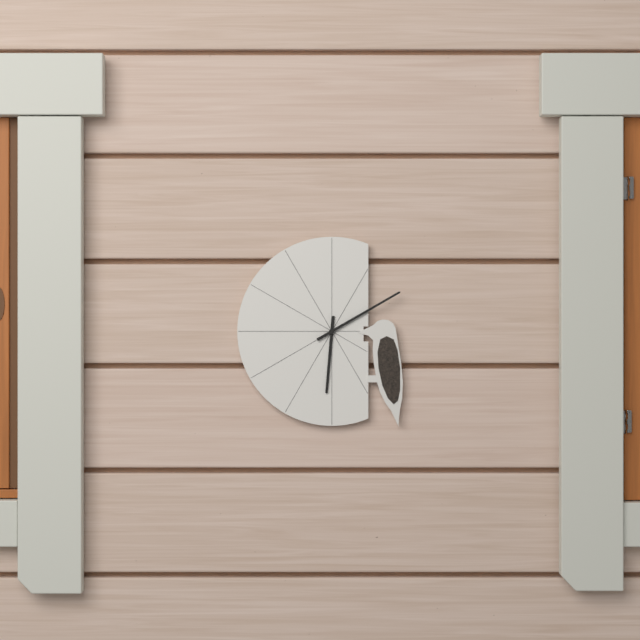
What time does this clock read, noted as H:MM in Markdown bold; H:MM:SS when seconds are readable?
**6:10**
